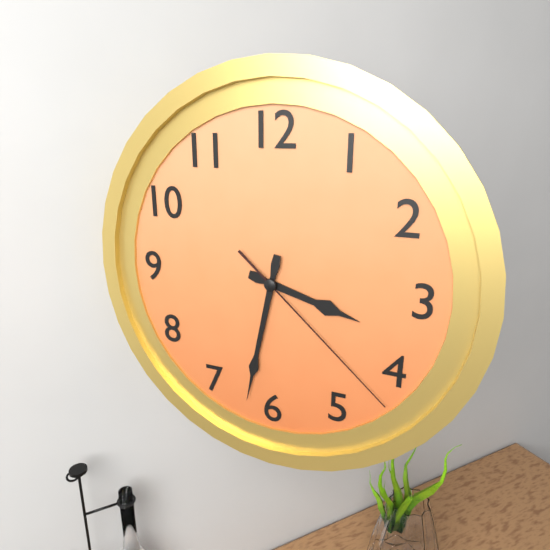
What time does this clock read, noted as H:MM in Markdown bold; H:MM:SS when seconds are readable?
**3:32:22**
